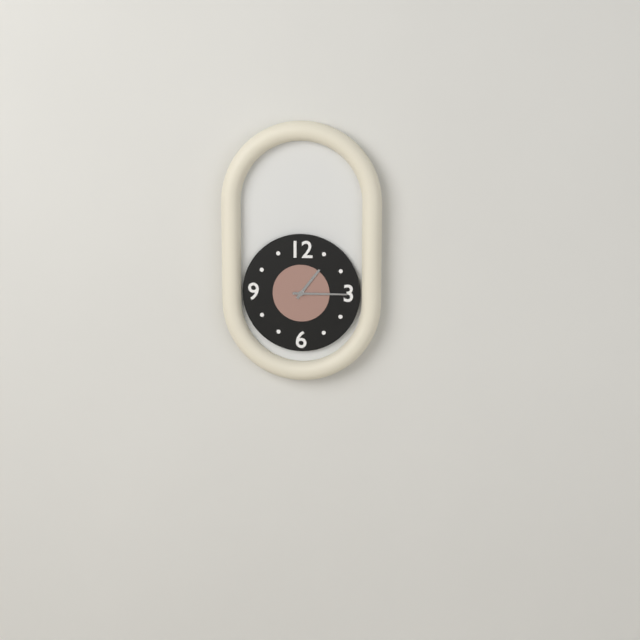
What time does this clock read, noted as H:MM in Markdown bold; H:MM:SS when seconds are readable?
**1:15**
